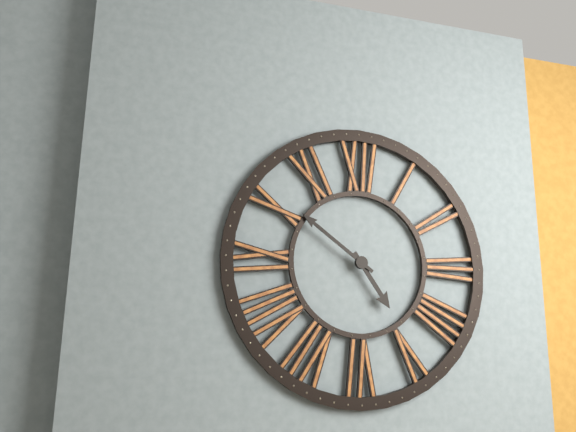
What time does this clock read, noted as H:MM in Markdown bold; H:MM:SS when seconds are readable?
**4:51**
